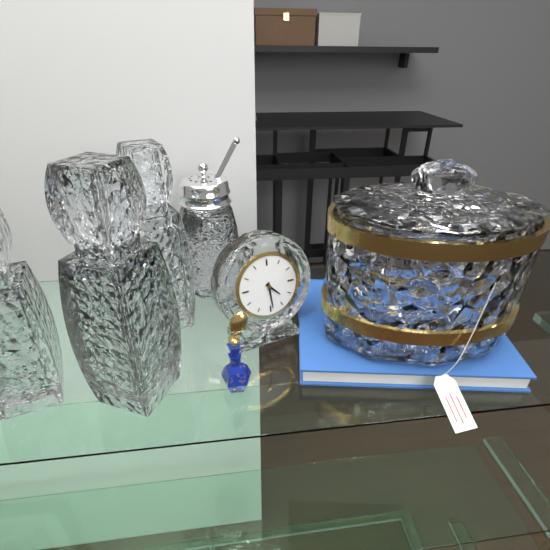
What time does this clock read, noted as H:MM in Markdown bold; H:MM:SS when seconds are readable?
**4:29**
